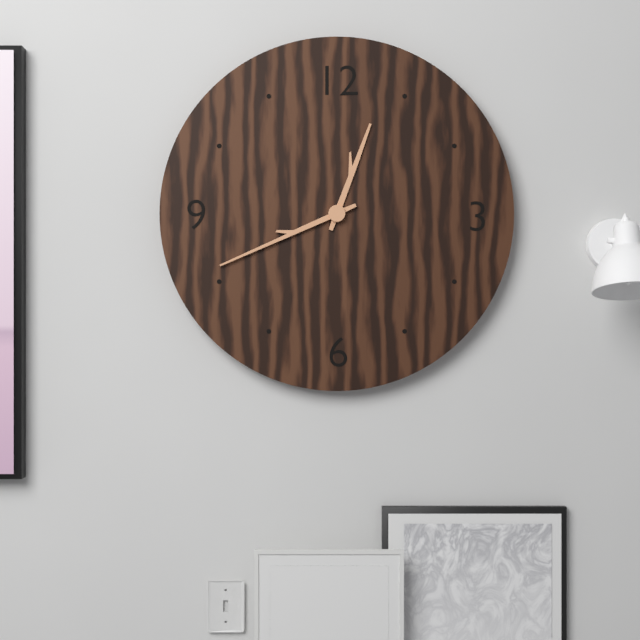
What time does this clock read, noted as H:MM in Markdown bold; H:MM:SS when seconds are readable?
**12:41**
